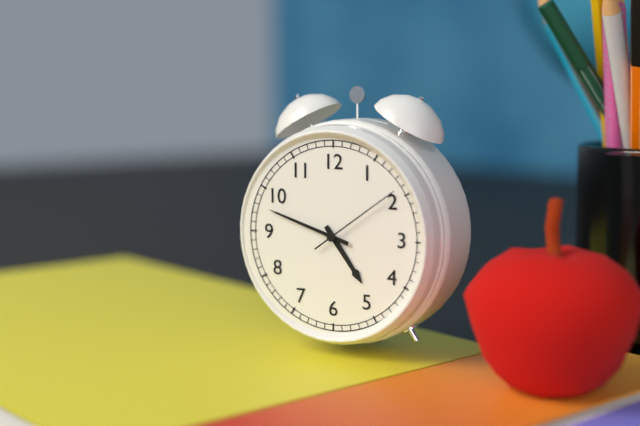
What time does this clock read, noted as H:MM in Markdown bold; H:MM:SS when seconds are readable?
**4:48:09**
